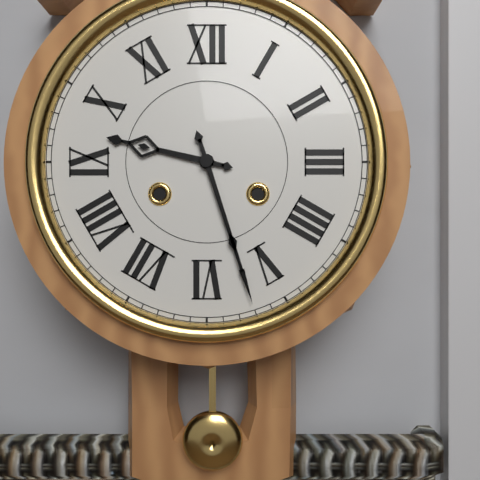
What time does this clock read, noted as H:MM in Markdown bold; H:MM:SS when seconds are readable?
**9:27**
